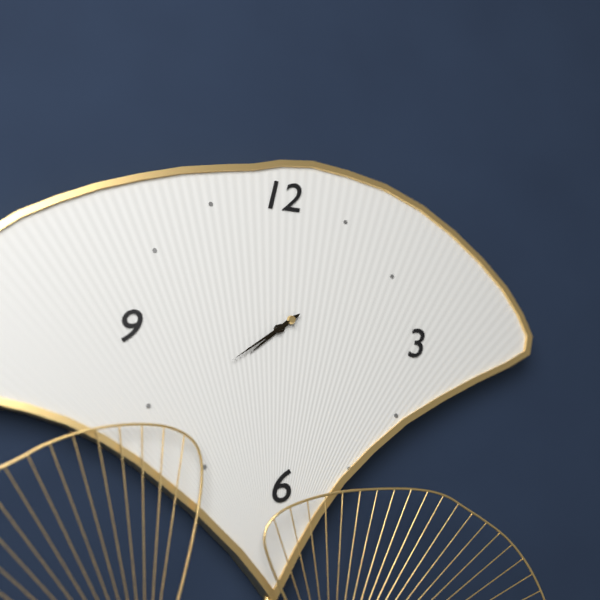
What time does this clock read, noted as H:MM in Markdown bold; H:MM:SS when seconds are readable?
**7:39**
